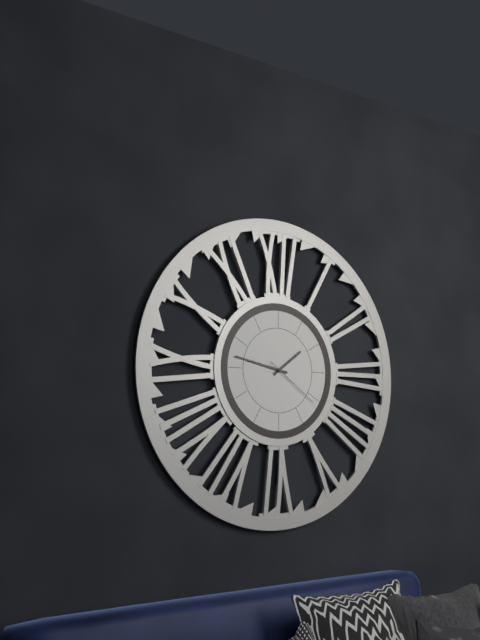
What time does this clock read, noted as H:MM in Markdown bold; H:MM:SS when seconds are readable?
**1:47:21**
